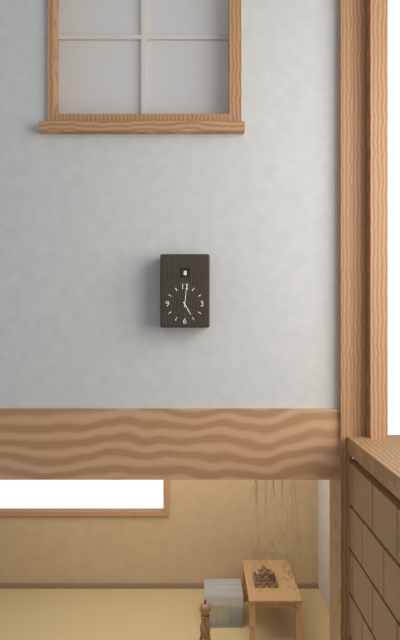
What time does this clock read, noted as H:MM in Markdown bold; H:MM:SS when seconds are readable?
**5:01**
